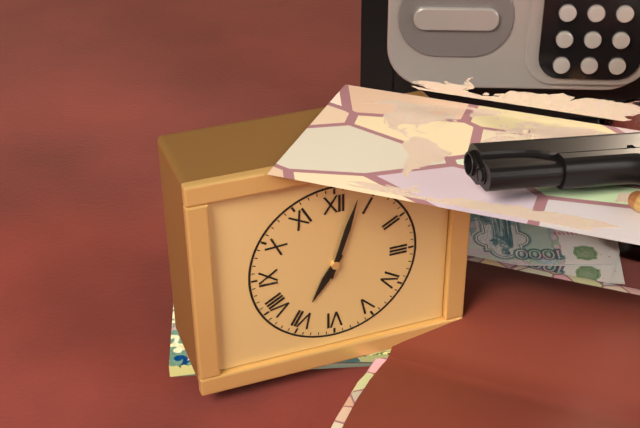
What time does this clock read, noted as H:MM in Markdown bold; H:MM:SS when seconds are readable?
**7:03**
